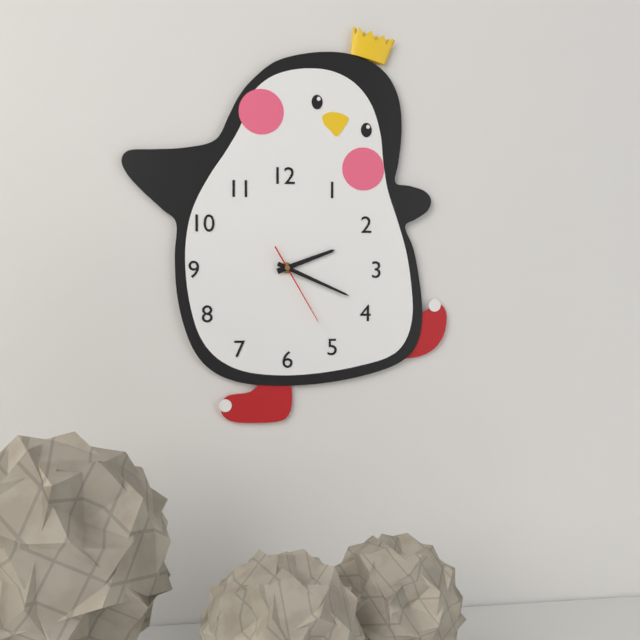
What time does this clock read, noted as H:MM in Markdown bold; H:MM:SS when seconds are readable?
**2:19:25**
